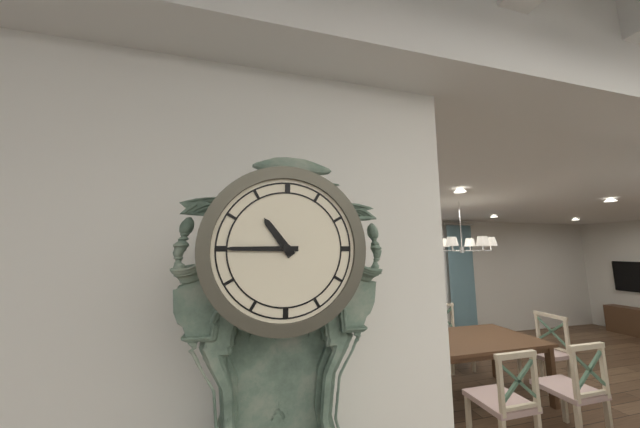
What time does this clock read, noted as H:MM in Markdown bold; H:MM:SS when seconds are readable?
**10:45**
